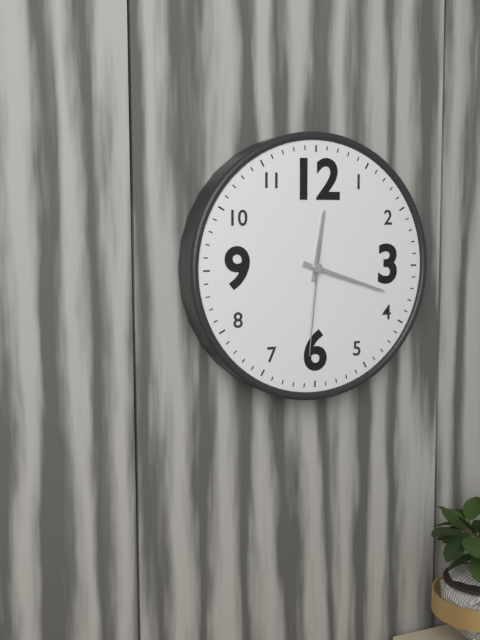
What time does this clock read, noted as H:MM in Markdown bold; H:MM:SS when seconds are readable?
**12:18:31**
